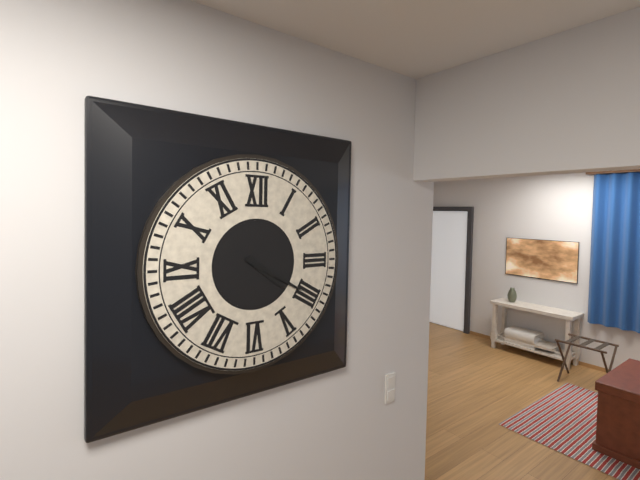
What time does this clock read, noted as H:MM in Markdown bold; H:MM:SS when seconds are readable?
**4:20**
